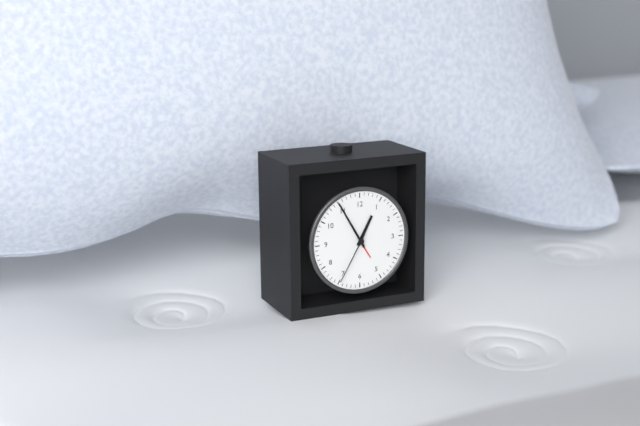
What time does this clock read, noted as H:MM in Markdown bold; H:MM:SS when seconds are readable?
**12:55:35**
